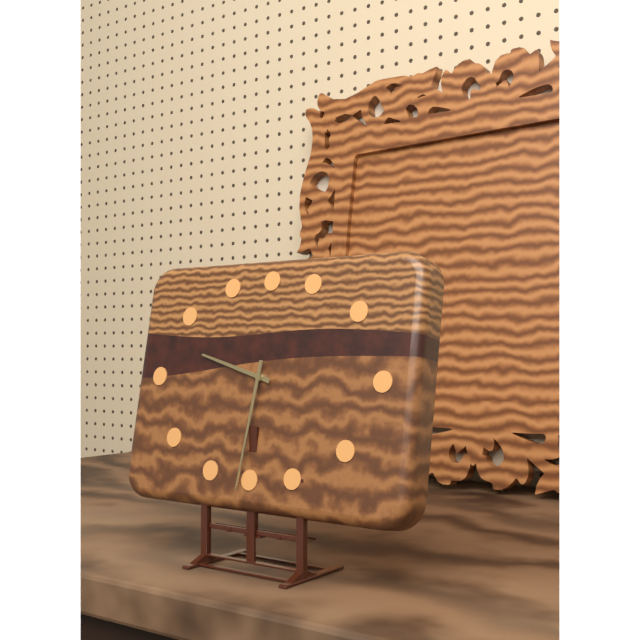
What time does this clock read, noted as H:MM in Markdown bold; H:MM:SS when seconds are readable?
**9:31**
